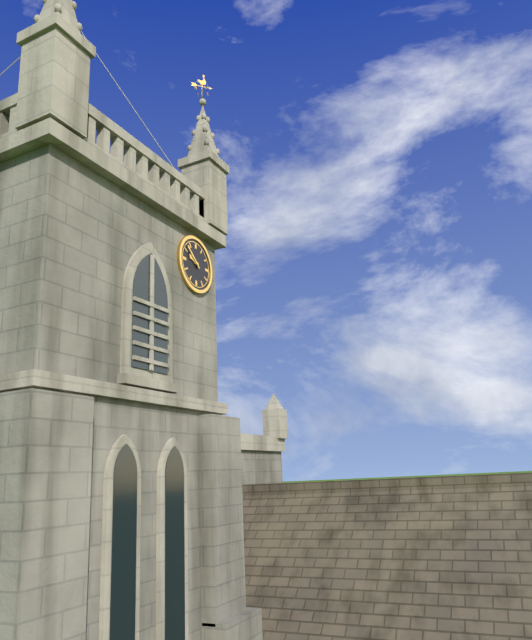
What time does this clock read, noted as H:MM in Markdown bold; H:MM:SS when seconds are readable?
**9:52**
